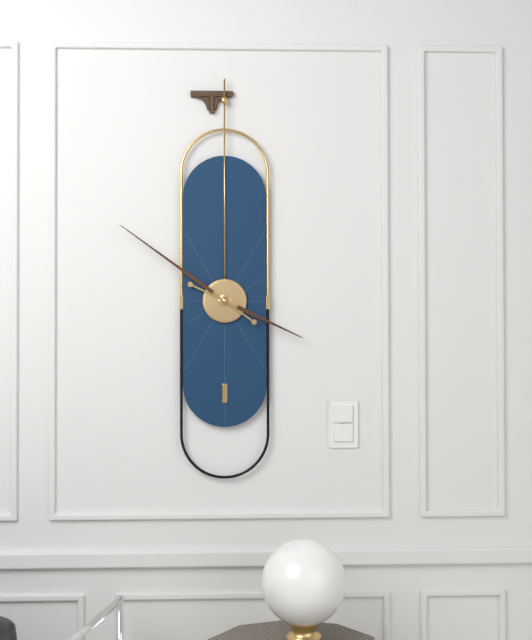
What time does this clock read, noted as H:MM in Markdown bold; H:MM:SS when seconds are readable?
**3:51**
